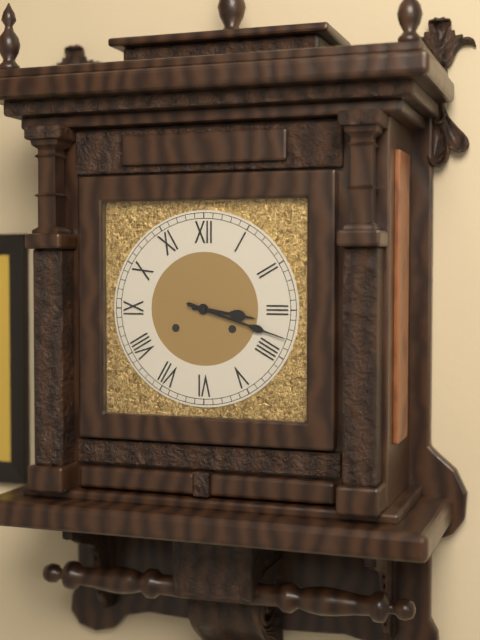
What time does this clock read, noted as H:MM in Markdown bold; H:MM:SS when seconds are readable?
**3:18**
